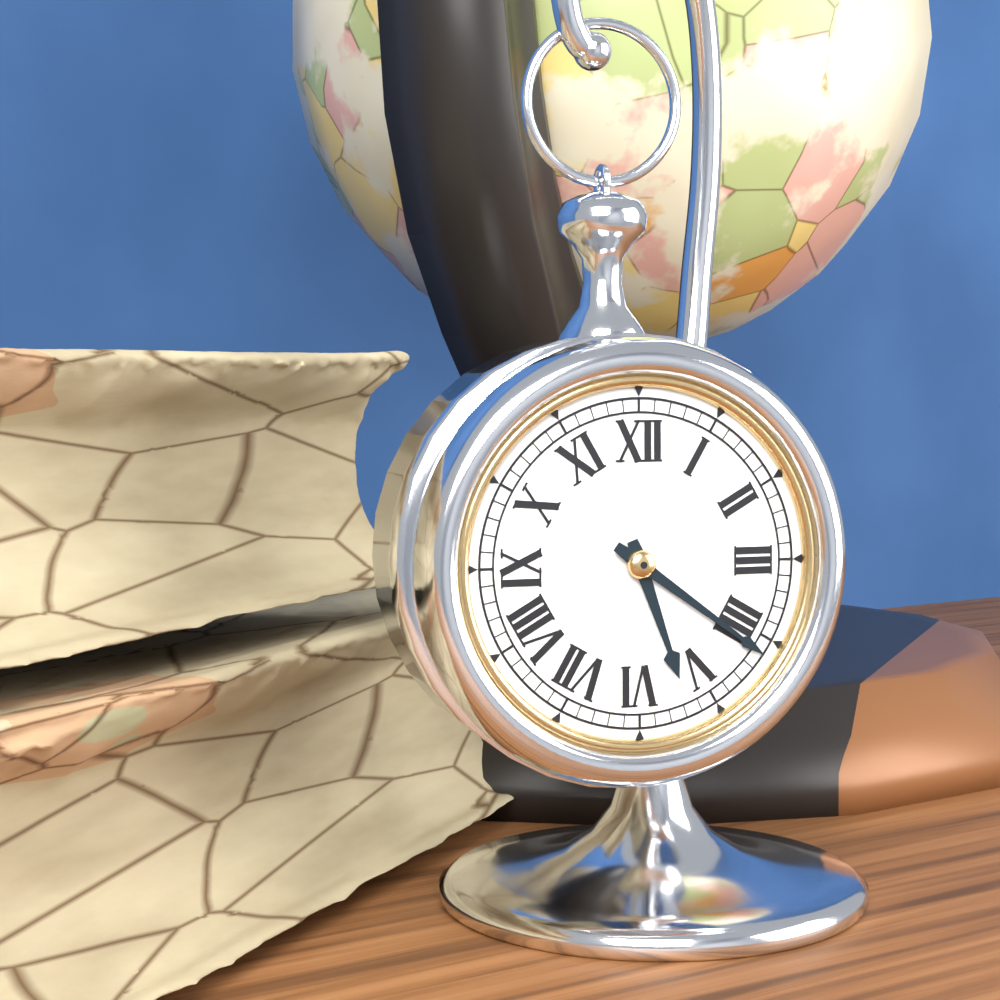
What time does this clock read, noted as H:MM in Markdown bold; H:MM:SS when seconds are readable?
**5:21**
